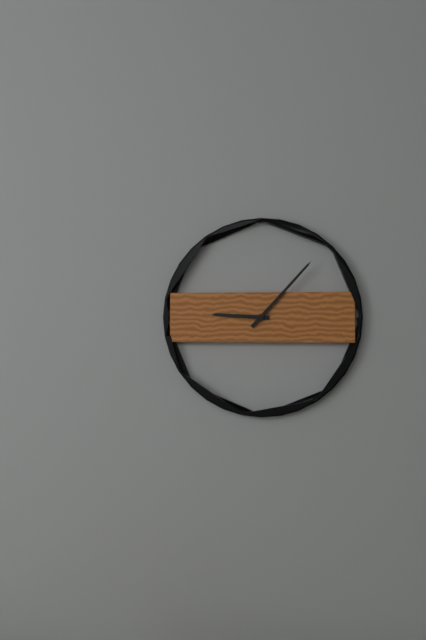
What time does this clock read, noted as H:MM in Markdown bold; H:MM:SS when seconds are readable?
**9:07**
